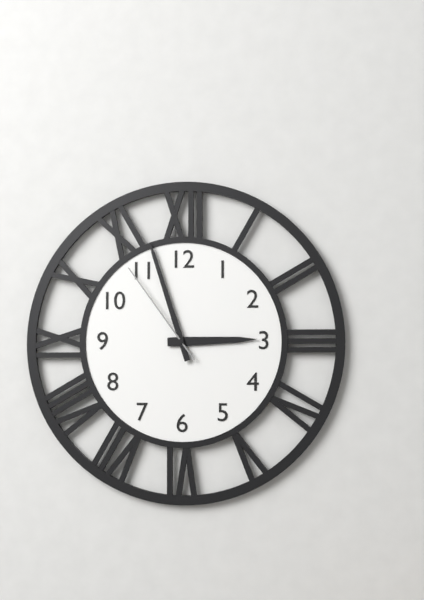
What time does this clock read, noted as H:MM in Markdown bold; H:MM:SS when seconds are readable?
**2:57:54**
